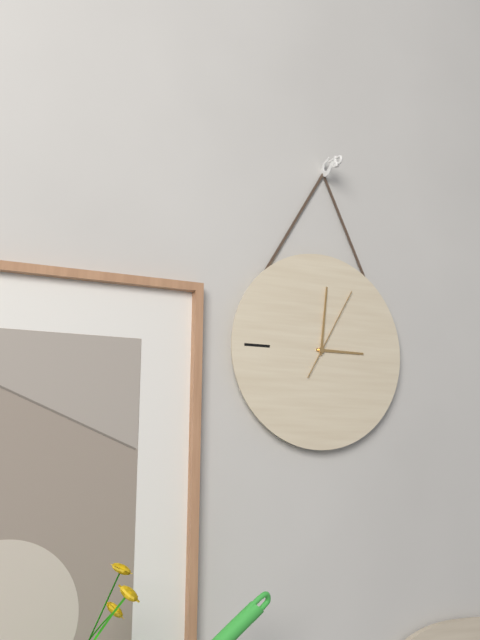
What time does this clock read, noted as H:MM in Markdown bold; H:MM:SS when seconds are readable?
**3:01:05**
